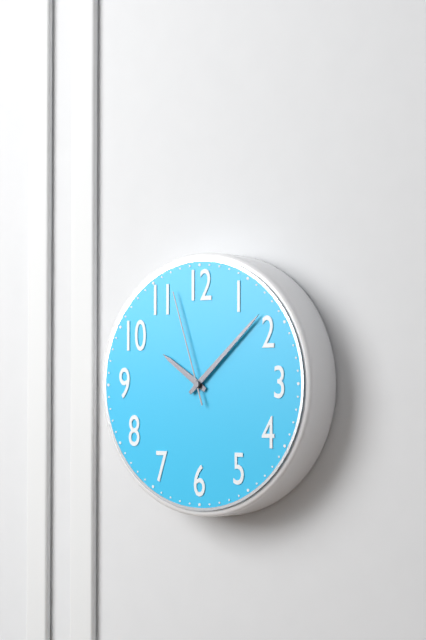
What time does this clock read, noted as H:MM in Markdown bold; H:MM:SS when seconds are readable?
**10:08:57**
